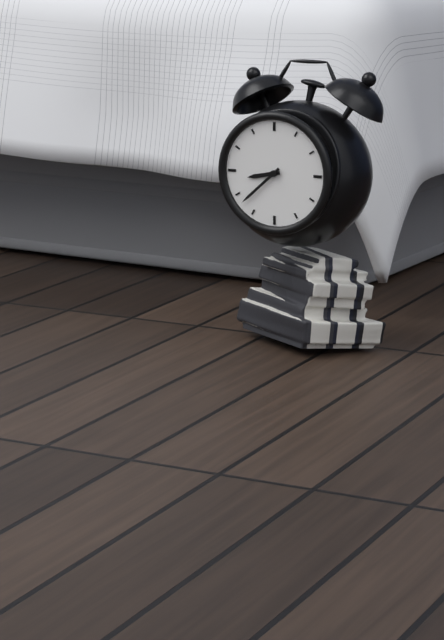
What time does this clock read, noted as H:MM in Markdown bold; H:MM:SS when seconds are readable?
**8:38**
